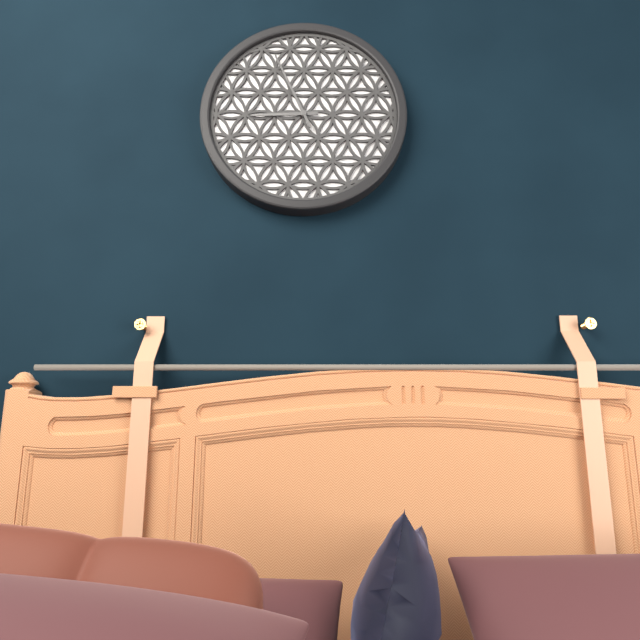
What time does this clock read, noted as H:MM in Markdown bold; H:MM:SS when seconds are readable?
**8:56**
